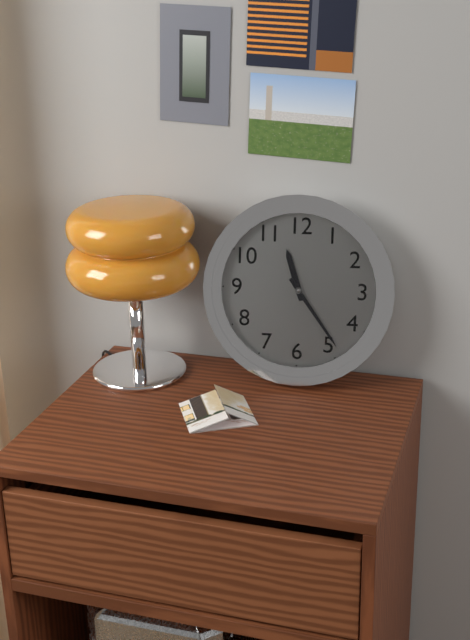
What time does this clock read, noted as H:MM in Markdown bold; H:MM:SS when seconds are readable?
**11:24**
